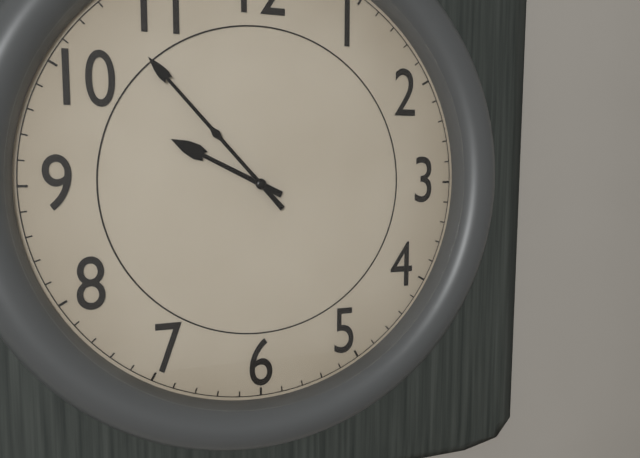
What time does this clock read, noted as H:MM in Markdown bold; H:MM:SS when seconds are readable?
**9:53**
